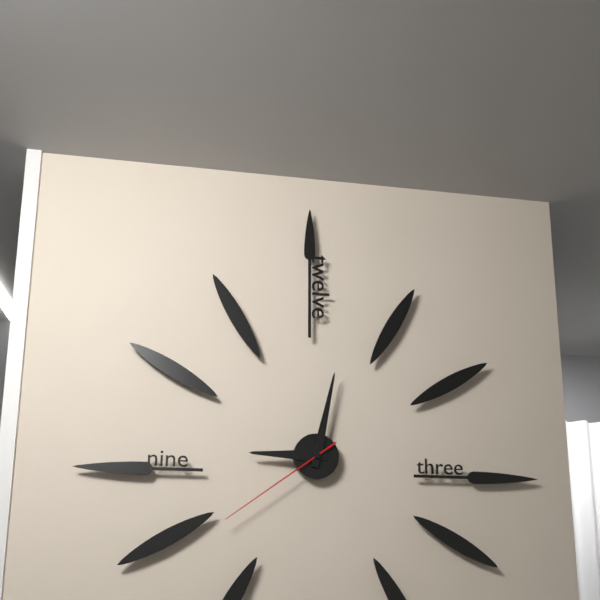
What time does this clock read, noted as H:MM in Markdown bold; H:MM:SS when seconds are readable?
**9:02:39**
